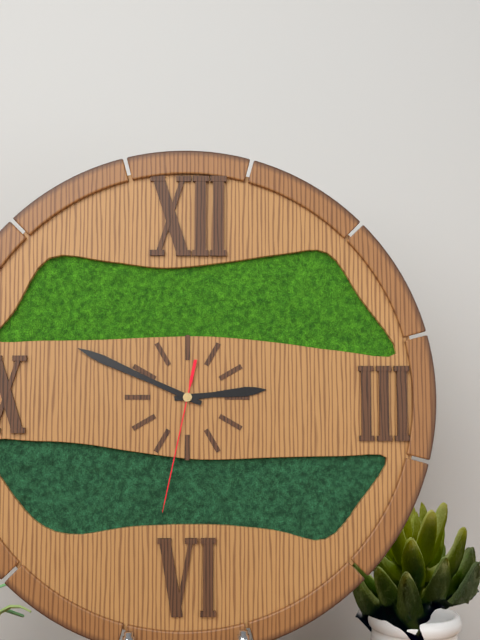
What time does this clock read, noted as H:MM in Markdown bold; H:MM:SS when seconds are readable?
**2:49:32**
